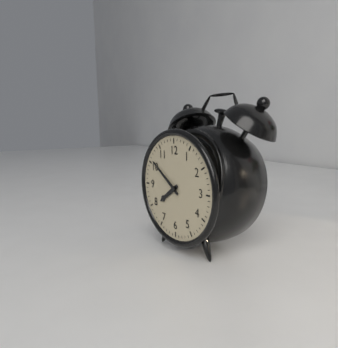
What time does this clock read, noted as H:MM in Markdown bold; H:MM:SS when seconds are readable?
**7:51**
